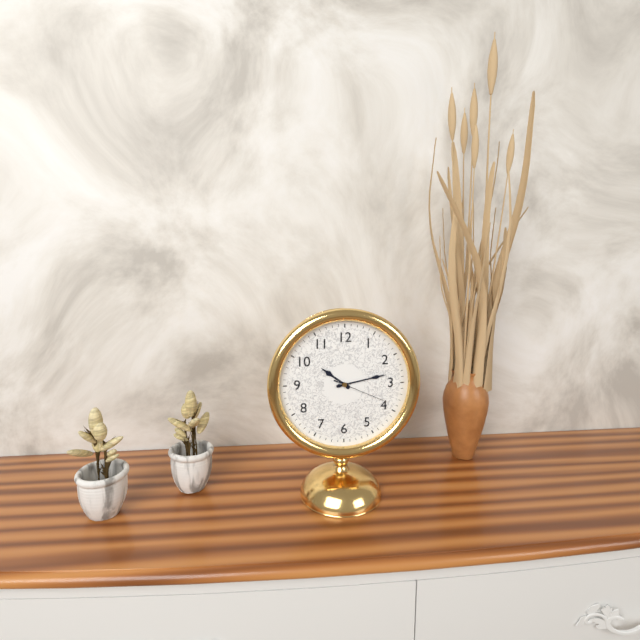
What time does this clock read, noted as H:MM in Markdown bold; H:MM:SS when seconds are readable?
**10:13:19**
